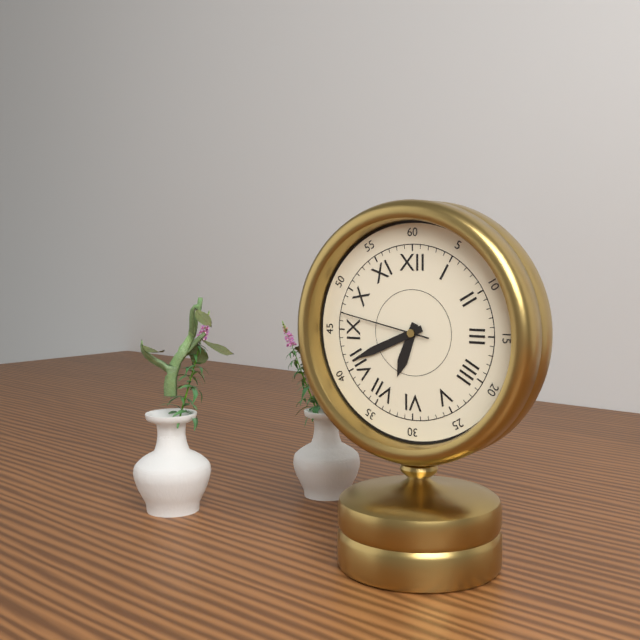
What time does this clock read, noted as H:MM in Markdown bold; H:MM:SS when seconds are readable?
**6:41:47**
